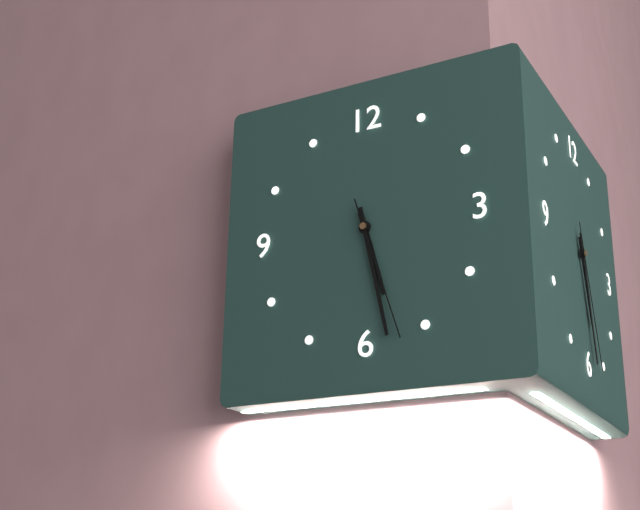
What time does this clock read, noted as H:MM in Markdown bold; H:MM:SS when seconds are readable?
**5:28:27**
